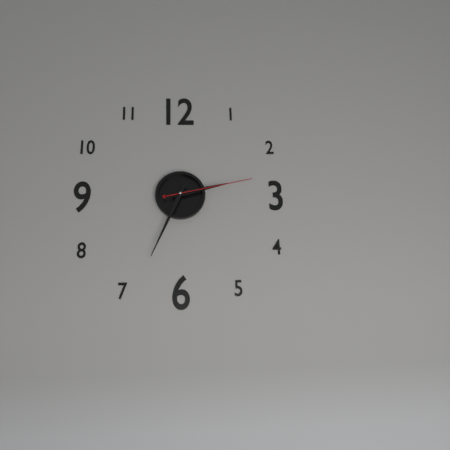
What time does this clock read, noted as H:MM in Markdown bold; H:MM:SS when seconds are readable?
**2:34:13**
